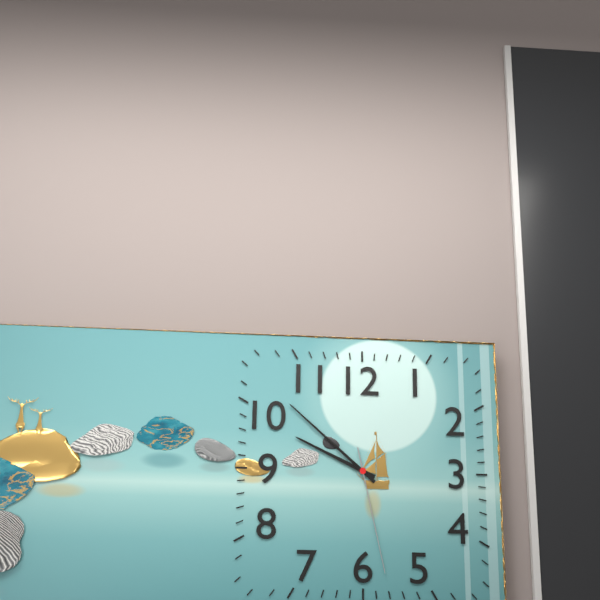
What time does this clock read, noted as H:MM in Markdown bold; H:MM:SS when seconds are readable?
**9:52:28**
